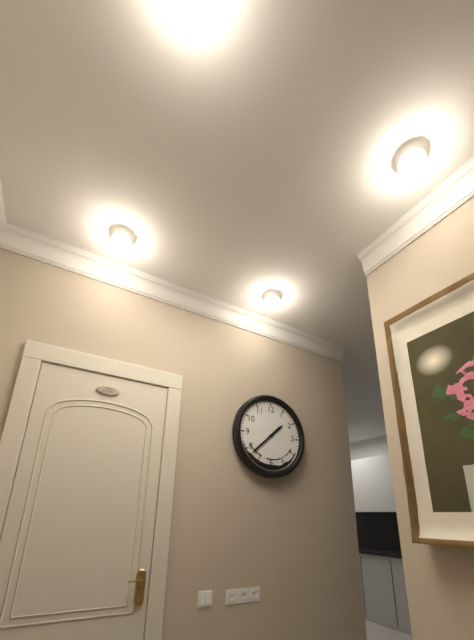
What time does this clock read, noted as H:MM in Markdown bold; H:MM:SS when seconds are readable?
**1:38**
